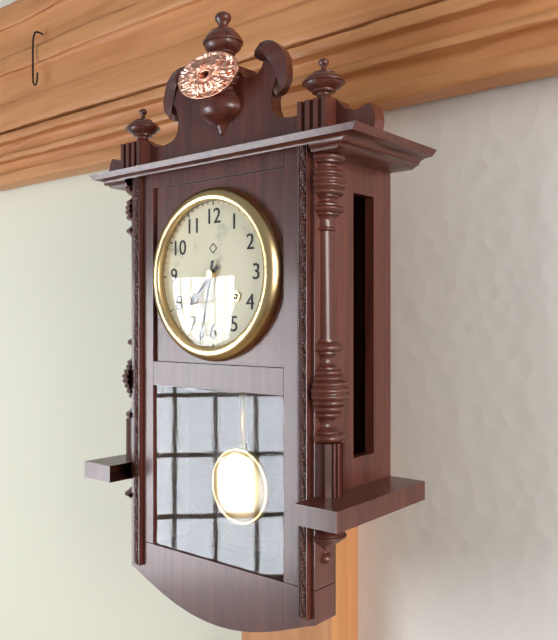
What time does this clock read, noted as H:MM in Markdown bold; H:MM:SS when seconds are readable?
**7:32**
